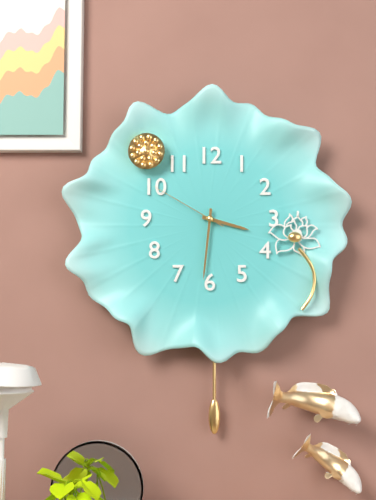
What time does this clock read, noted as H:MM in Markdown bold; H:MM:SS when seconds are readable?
**3:31:50**
